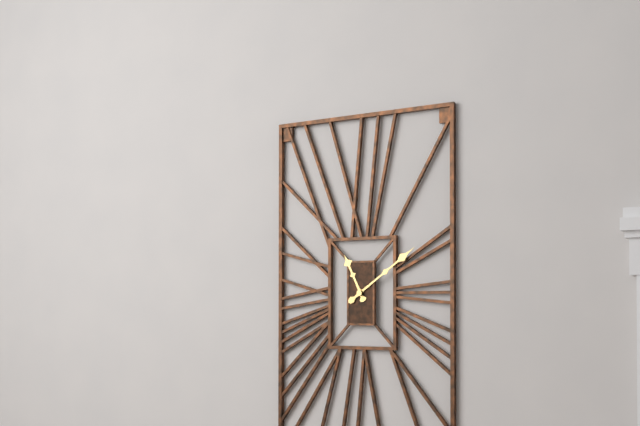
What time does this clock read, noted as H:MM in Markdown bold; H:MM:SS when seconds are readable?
**11:09**
